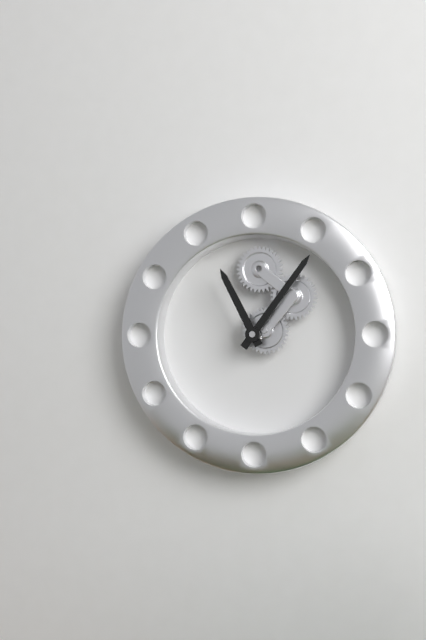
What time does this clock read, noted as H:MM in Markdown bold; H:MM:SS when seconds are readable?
**11:06**
